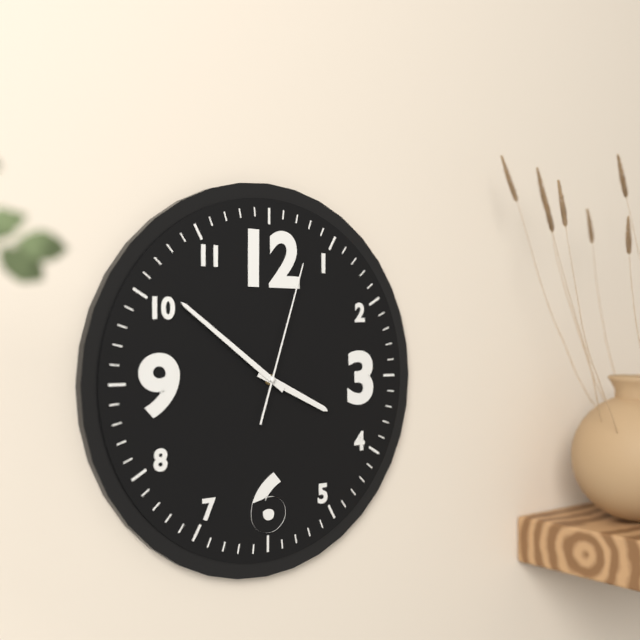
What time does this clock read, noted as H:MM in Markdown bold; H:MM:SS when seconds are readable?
**3:51:03**
